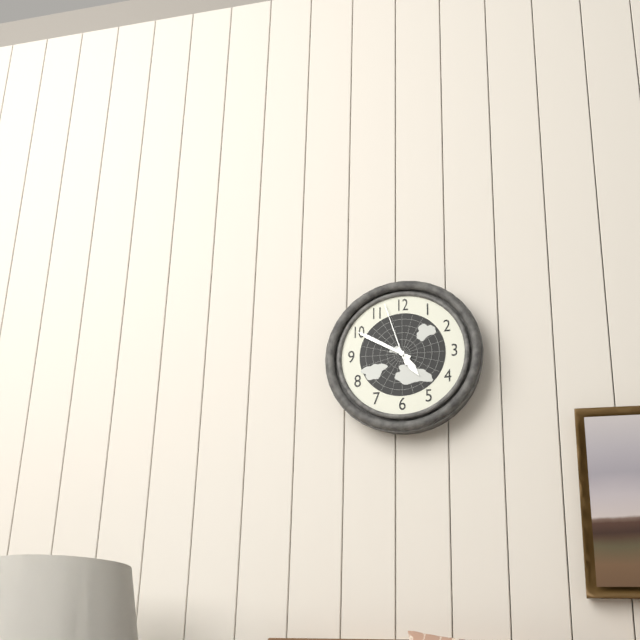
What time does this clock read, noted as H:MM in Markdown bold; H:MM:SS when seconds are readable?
**4:50:57**
